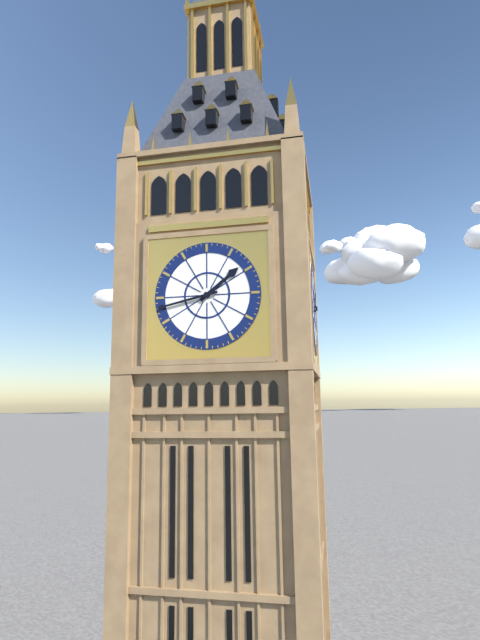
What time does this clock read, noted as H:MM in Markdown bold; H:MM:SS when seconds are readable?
**1:43**
